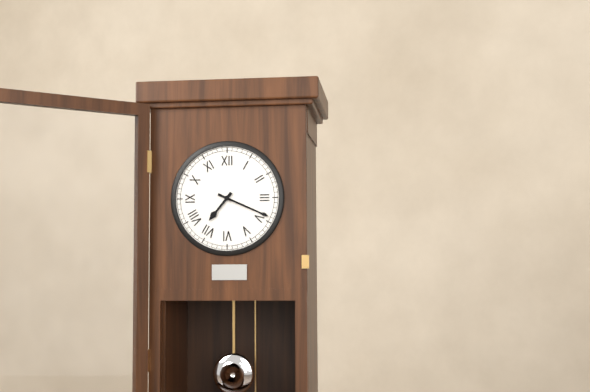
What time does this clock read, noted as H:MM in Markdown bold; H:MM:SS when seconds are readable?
**7:19**
